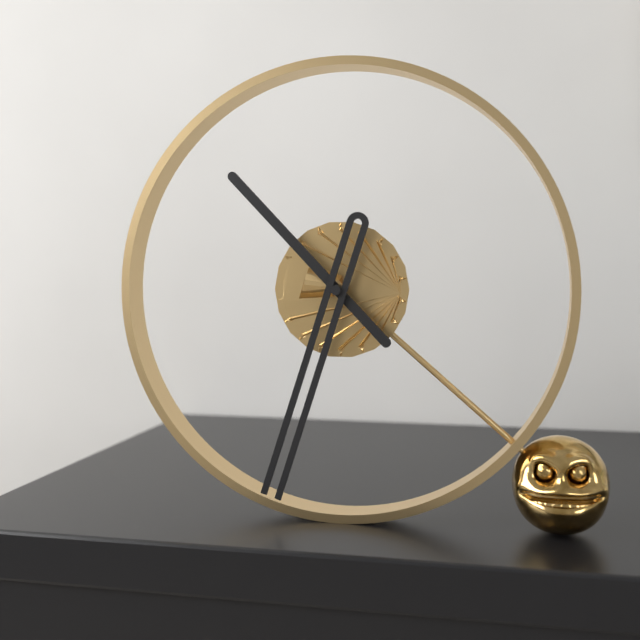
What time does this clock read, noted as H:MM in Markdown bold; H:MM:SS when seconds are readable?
**10:33**
